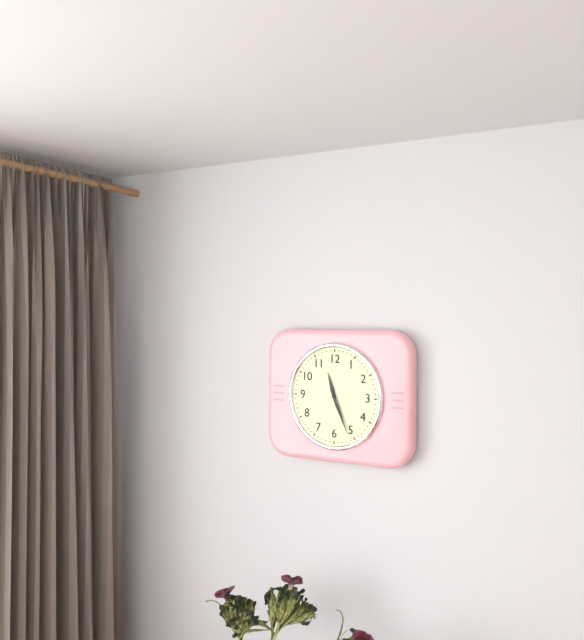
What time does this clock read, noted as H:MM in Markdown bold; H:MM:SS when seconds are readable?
**11:26**
